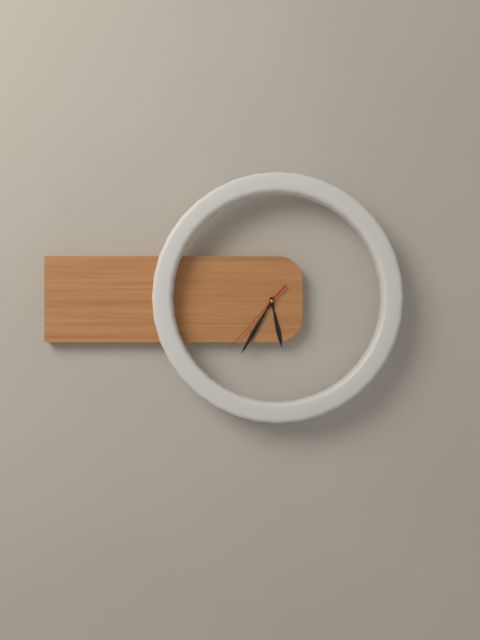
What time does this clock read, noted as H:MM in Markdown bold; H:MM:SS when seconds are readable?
**5:35:37**
